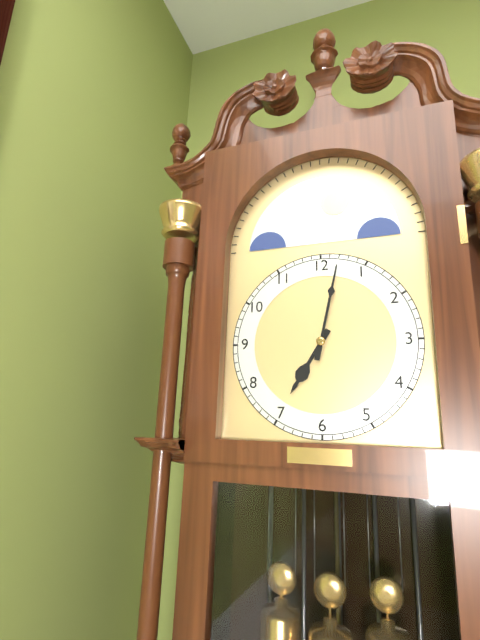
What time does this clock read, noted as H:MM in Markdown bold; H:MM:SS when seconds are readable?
**7:02**
